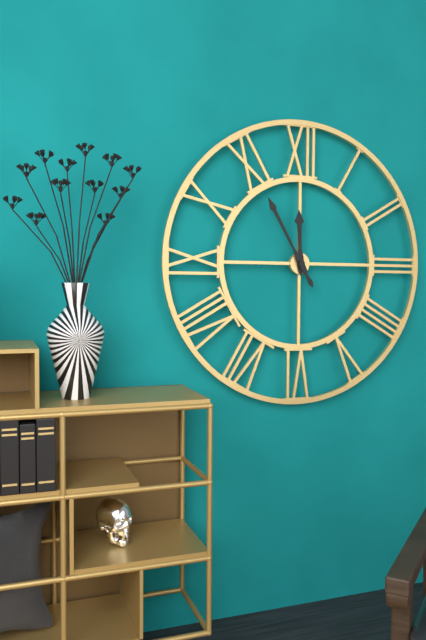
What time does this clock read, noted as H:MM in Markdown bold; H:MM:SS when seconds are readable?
**11:55**
